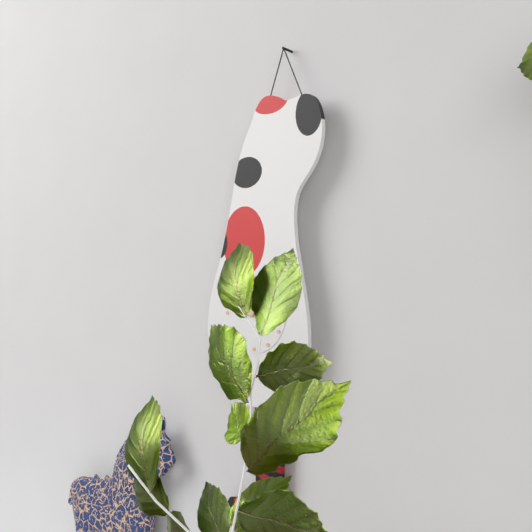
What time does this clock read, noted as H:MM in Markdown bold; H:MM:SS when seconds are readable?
**3:47**
